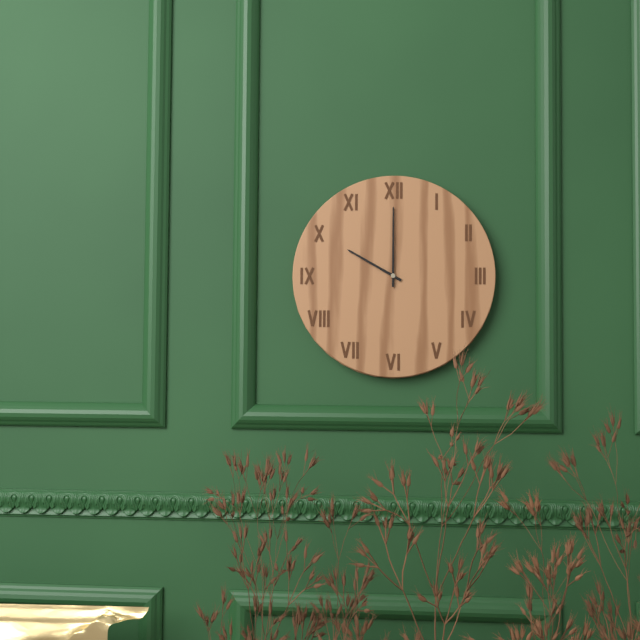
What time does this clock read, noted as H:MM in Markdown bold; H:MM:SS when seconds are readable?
**10:00**
